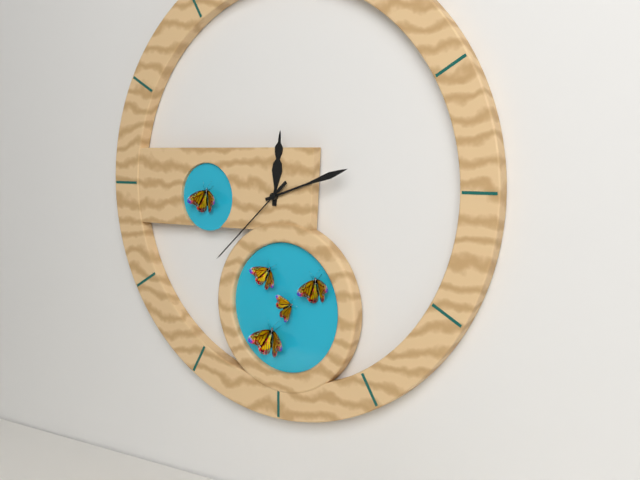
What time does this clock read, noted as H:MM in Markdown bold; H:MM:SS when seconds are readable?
**12:12:38**
